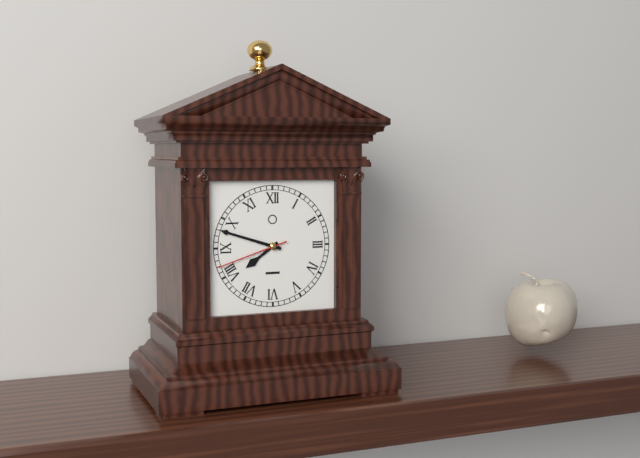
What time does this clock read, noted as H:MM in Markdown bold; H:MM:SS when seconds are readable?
**7:48:42**
